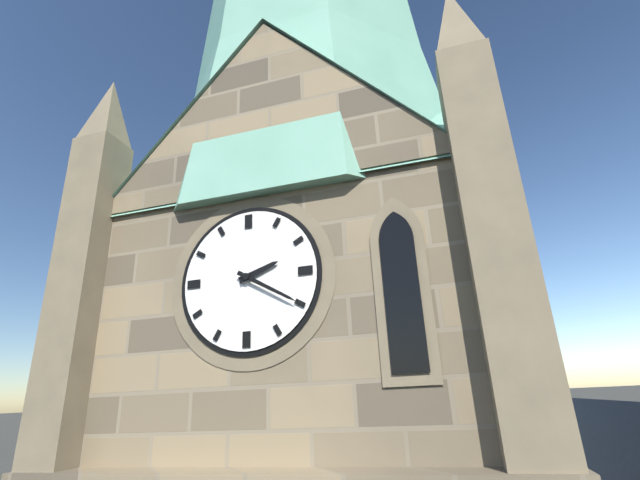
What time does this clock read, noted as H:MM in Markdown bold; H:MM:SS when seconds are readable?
**2:20**
